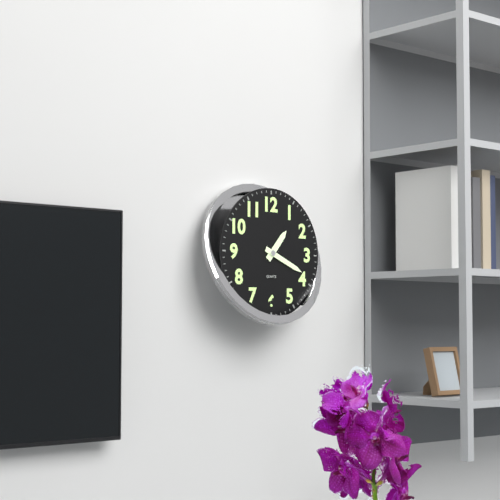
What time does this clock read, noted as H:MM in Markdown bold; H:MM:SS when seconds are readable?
**1:19**
